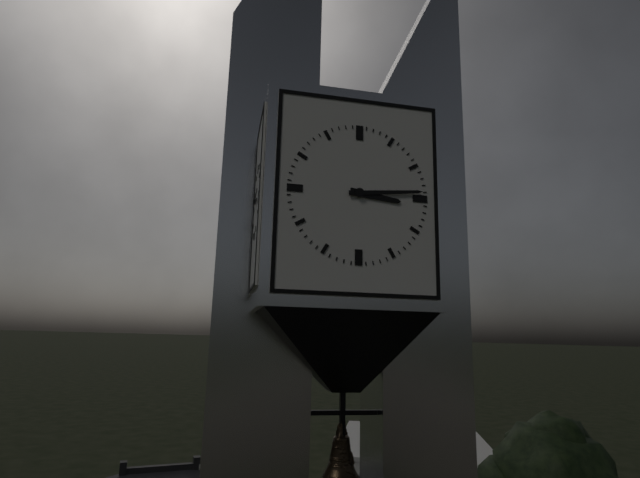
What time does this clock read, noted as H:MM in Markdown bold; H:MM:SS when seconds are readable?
**3:14**
